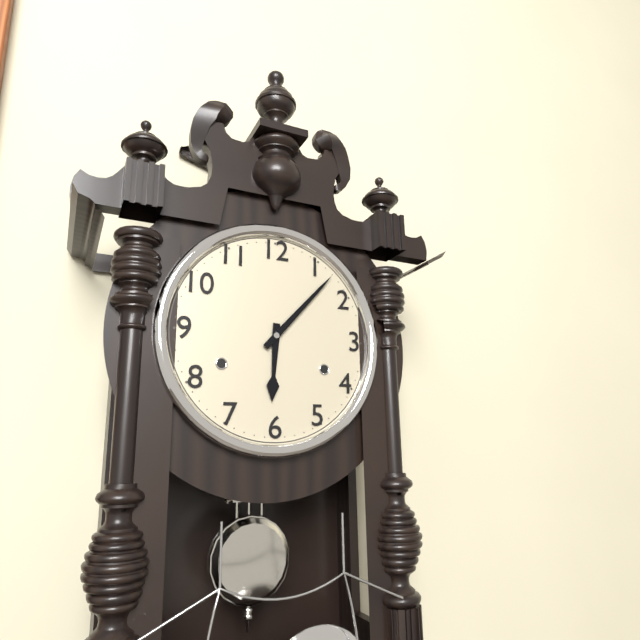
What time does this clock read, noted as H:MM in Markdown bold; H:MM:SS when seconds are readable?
**6:07**
